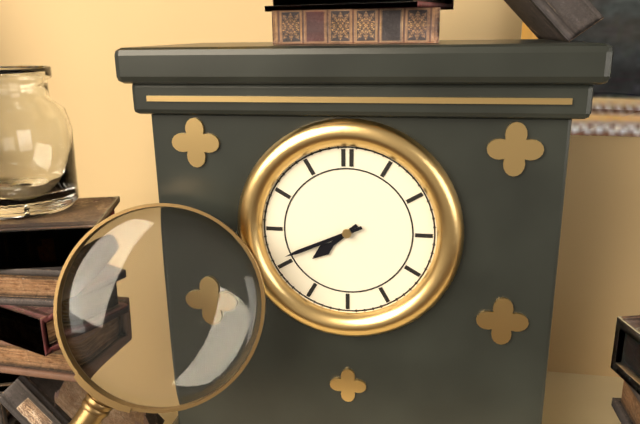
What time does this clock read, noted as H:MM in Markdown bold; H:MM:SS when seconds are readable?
**7:41**
